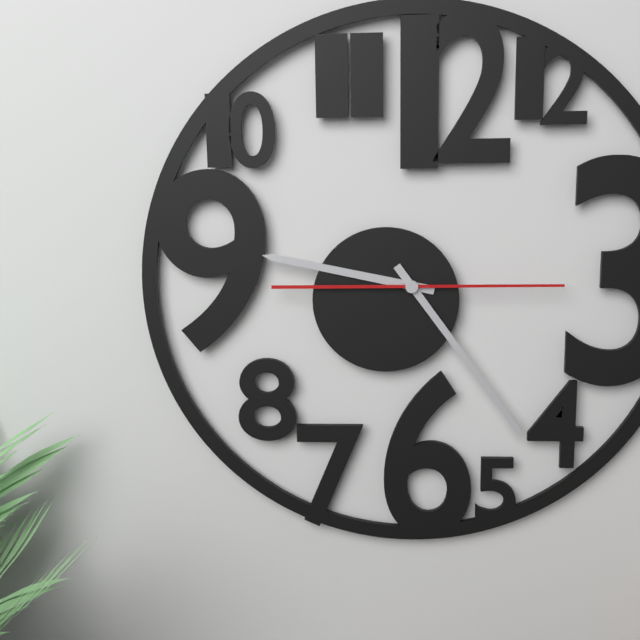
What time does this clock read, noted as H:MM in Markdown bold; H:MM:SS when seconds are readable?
**9:24:15**
